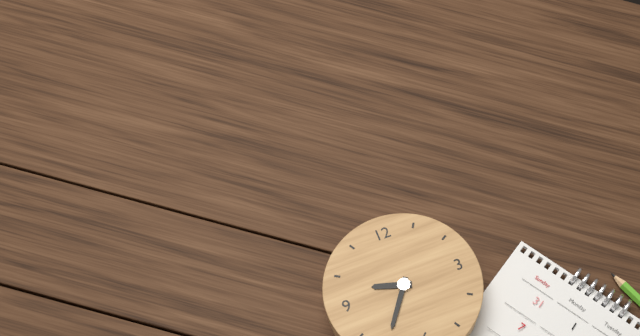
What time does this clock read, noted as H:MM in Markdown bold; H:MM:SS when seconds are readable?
**9:36**
